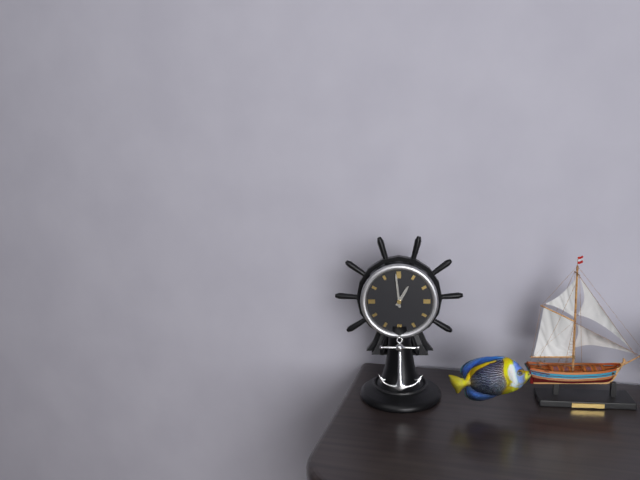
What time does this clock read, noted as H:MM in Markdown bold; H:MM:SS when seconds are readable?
**12:59**
